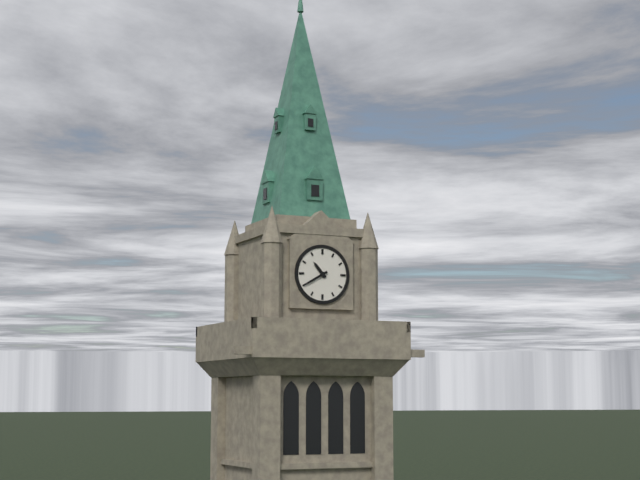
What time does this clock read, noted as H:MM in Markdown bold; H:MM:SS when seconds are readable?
**10:40**
